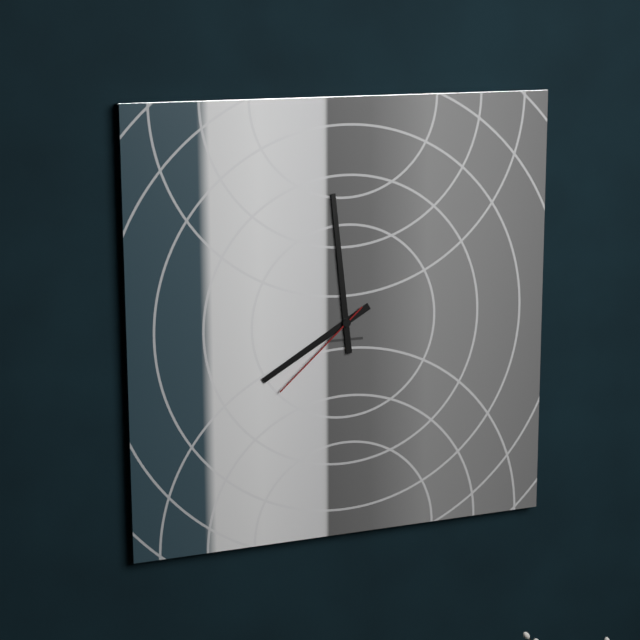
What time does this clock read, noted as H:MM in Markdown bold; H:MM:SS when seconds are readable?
**7:59:38**
